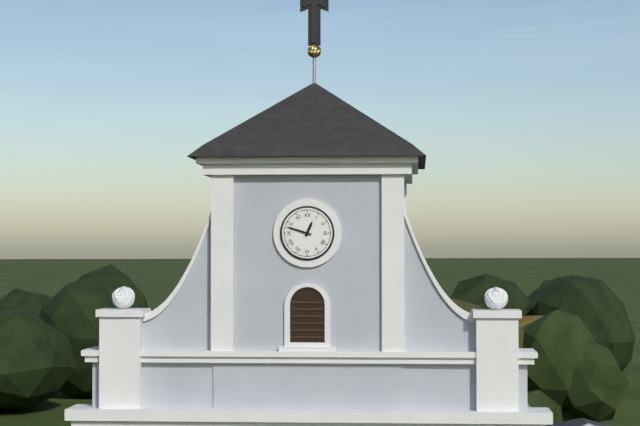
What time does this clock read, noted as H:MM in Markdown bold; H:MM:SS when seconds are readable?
**12:48**
